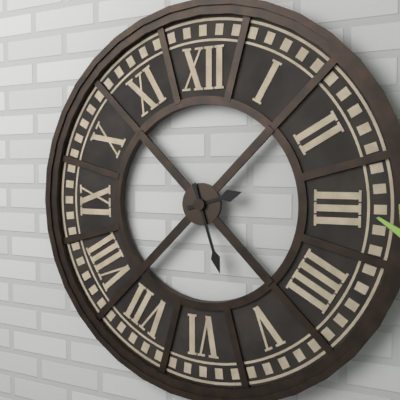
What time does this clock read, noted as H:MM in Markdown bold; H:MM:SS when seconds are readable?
**2:27**
